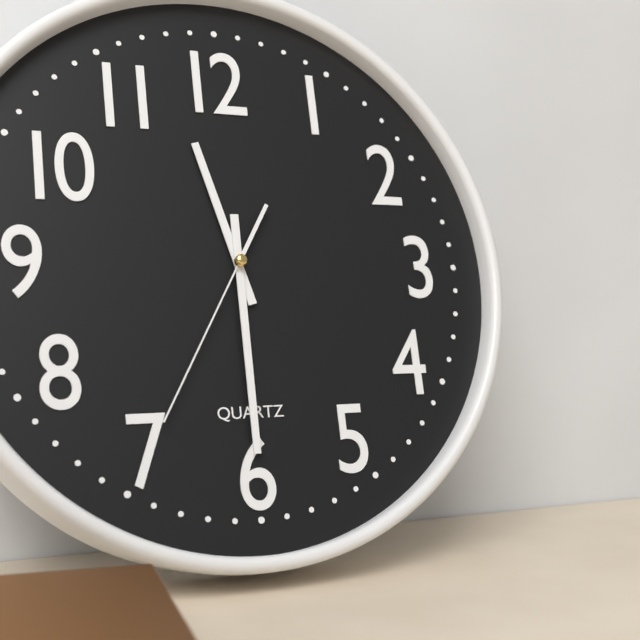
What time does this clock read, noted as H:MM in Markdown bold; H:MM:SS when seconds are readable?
**11:30:35**
